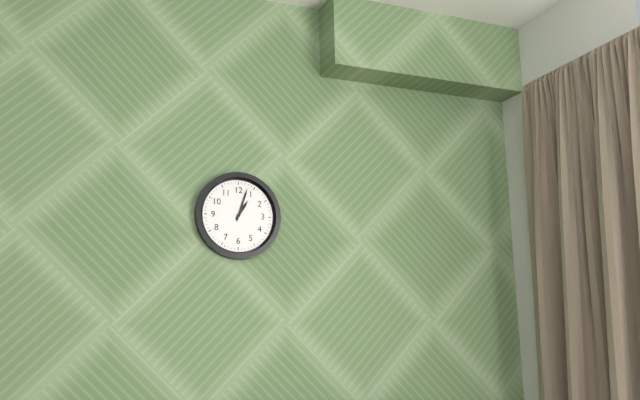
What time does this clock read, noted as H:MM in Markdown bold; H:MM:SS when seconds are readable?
**1:03**
